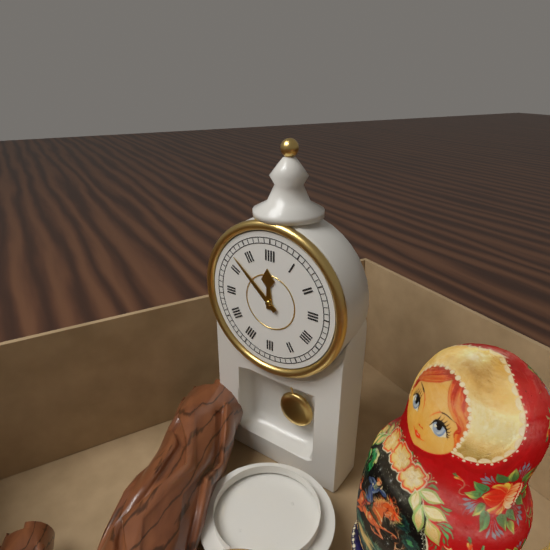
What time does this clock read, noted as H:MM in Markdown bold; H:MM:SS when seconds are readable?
**11:52**
